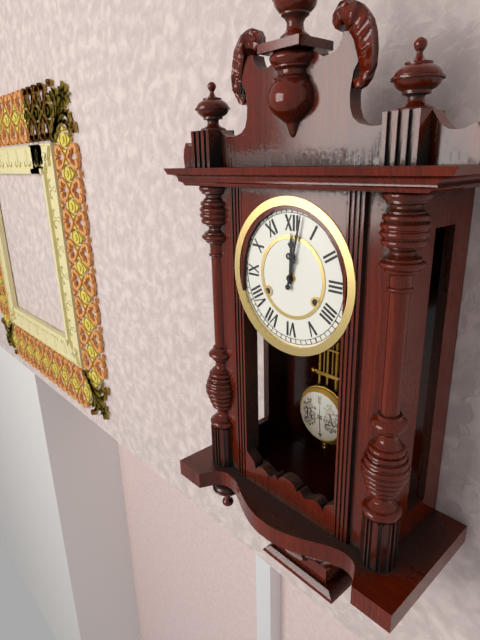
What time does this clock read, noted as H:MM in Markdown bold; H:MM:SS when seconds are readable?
**12:02**
